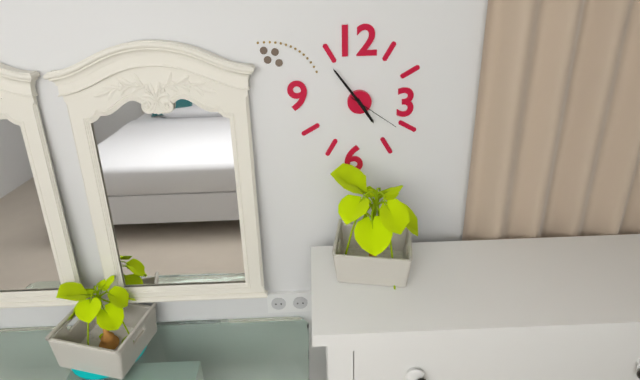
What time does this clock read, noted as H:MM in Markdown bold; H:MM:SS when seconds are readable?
**4:54:21**
